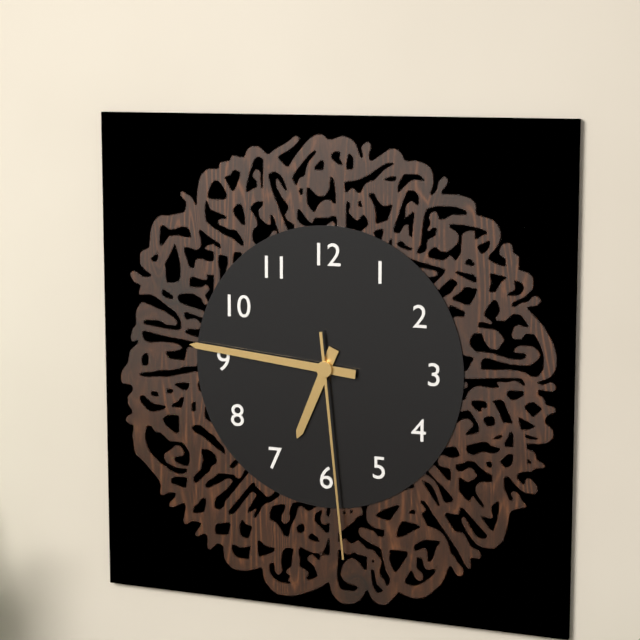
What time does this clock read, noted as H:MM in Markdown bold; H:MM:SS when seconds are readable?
**6:46:29**
